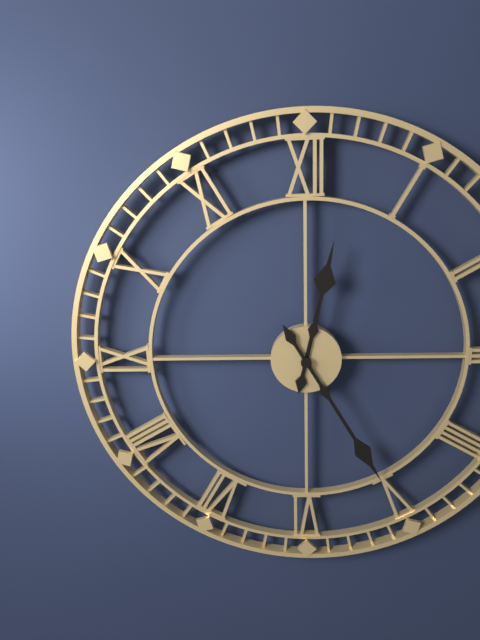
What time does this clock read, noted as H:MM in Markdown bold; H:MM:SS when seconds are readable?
**12:25**
